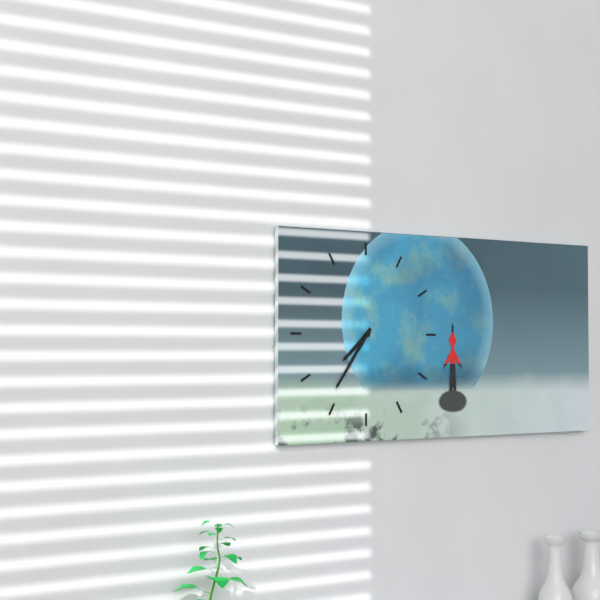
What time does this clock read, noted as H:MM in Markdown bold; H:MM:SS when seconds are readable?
**7:36**
